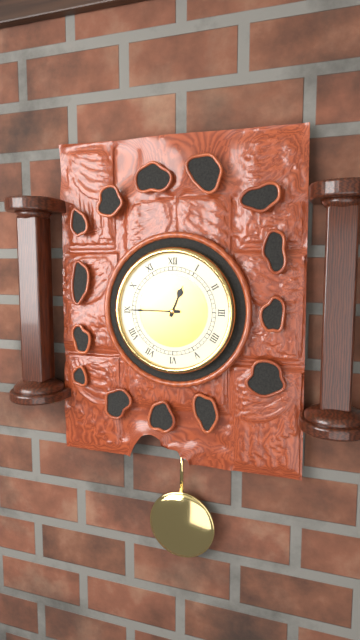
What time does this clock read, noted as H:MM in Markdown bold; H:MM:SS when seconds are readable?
**12:45**
